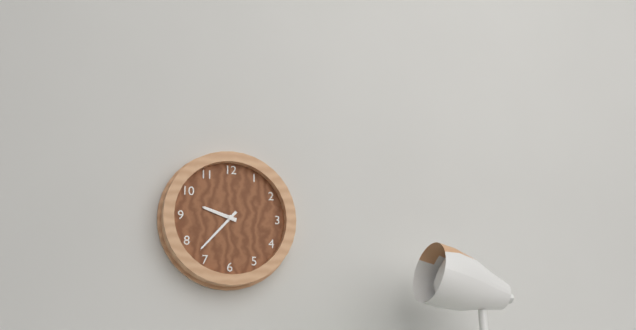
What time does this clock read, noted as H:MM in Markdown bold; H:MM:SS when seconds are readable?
**9:37**
